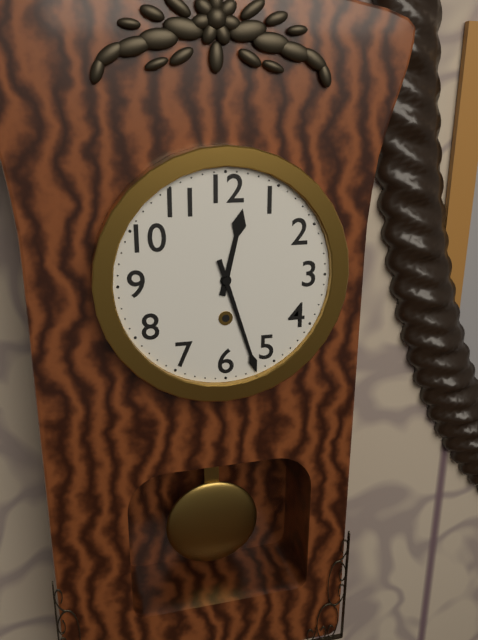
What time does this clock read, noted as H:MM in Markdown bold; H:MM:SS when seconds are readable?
**12:27**
